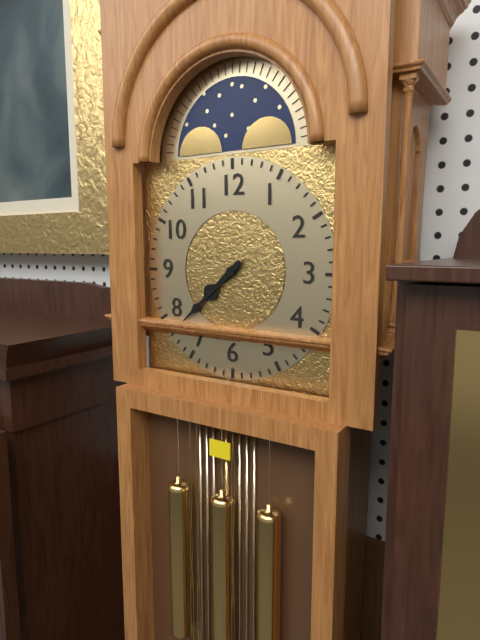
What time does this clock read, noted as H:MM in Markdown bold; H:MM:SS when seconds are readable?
**7:38**
